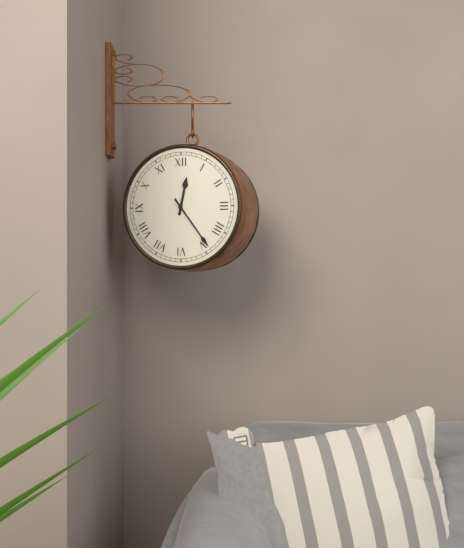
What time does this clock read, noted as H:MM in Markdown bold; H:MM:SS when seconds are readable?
**12:24**
